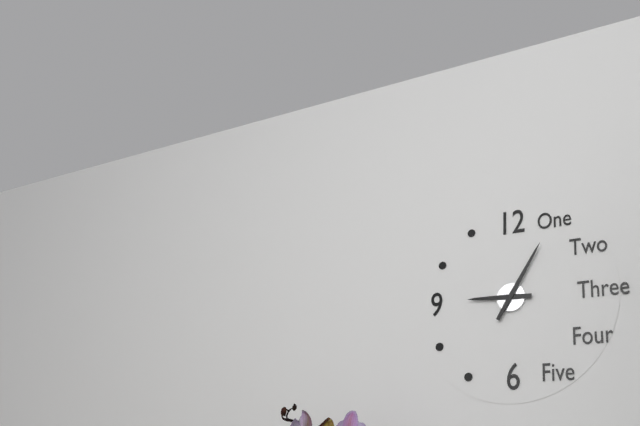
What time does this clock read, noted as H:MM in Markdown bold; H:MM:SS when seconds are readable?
**9:05**
